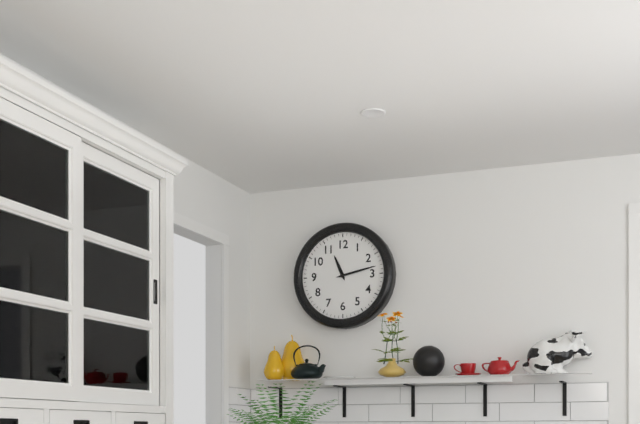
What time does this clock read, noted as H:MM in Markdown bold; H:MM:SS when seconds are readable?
**11:13**
